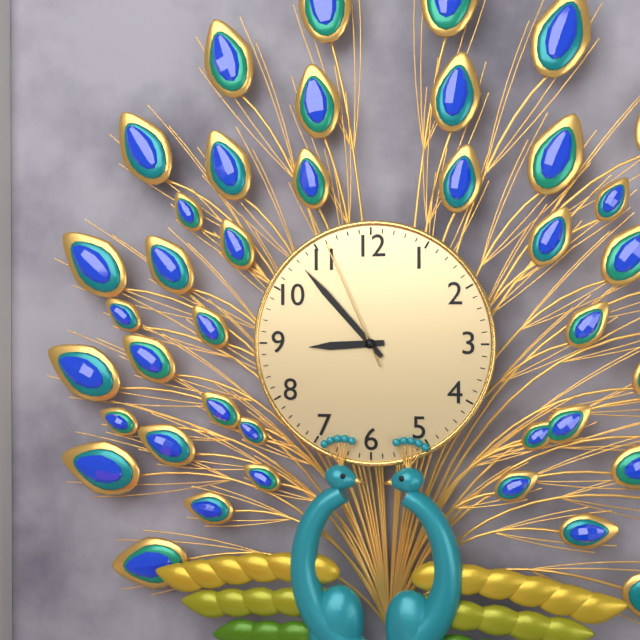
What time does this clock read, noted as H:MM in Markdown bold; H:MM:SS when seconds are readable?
**8:53:56**
